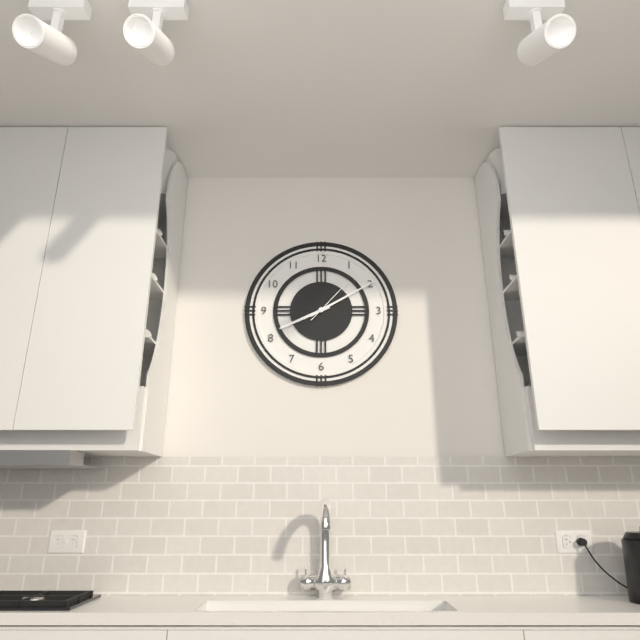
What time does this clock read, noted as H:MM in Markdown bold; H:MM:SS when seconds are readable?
**8:10:07**
